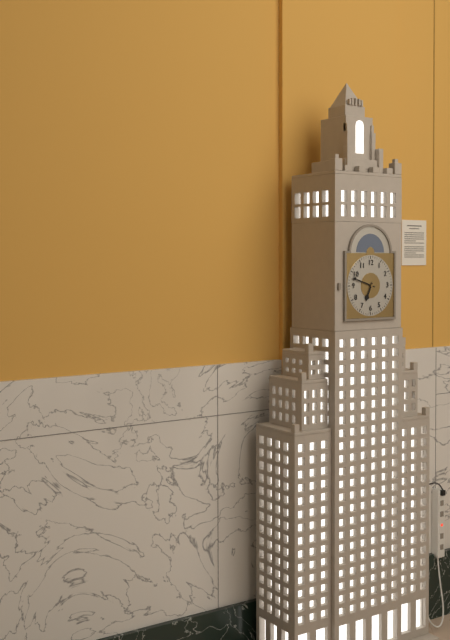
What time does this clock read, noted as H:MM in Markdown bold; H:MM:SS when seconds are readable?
**6:48**
